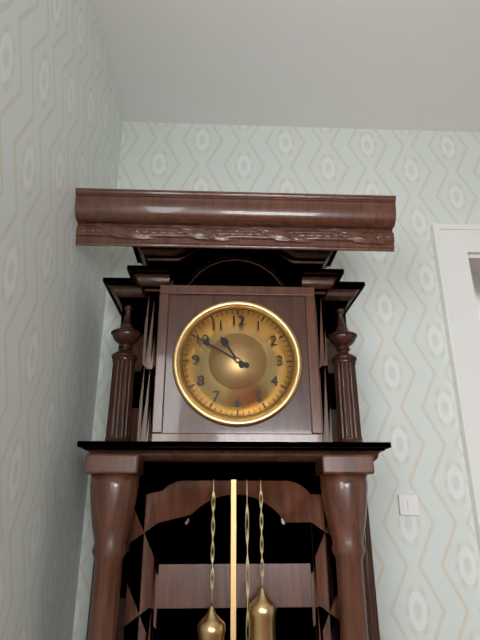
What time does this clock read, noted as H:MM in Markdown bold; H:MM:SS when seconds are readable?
**10:50**
